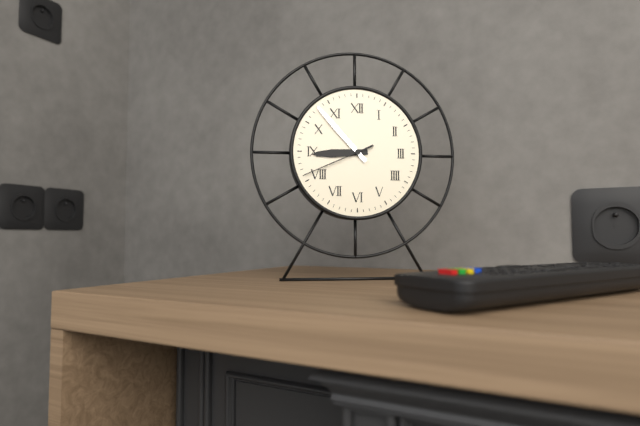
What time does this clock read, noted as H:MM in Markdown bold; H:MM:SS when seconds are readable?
**8:53:41**
